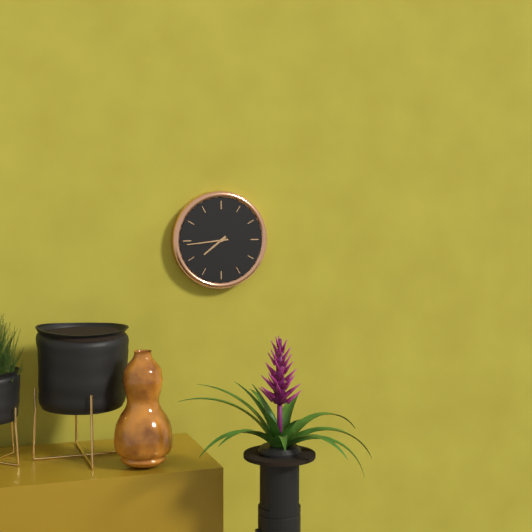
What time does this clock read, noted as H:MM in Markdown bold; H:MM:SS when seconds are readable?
**7:44**
